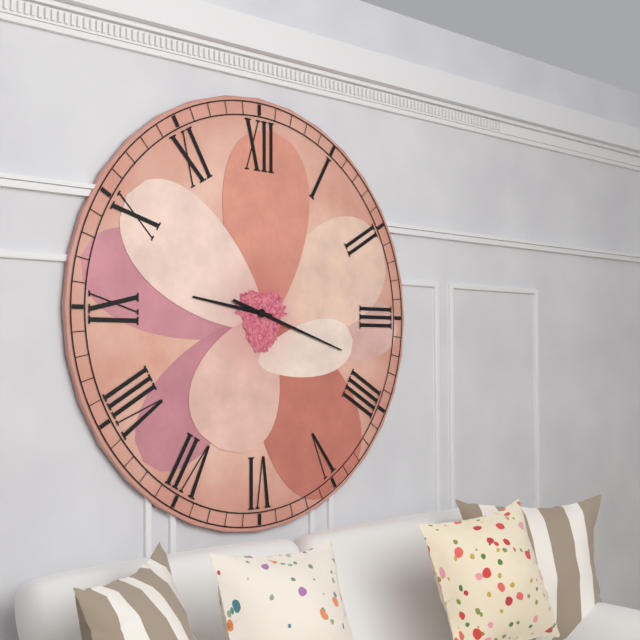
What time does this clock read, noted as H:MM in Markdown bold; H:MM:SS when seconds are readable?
**9:18**
